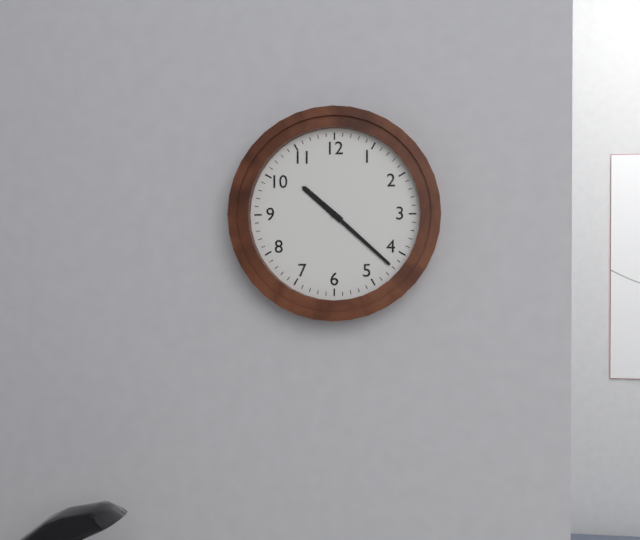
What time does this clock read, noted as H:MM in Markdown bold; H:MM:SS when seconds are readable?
**10:22:22**
